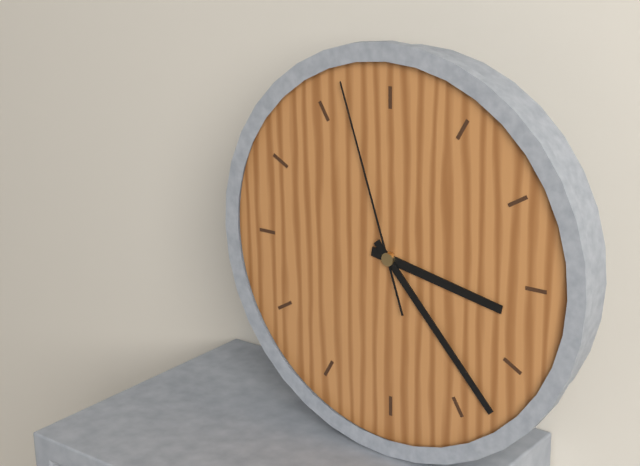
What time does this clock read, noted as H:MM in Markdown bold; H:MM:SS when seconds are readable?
**3:23:57**
